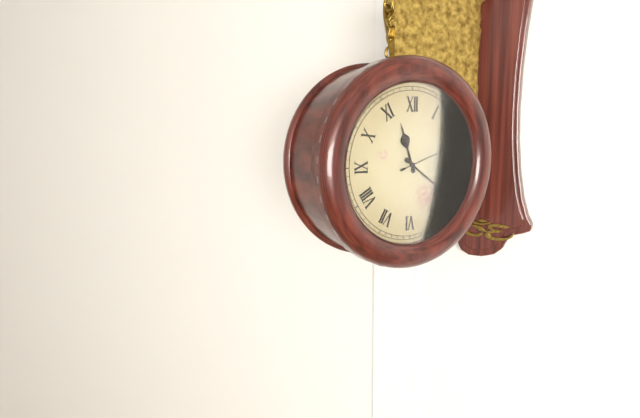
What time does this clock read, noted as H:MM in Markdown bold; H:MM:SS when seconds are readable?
**11:21:12**
